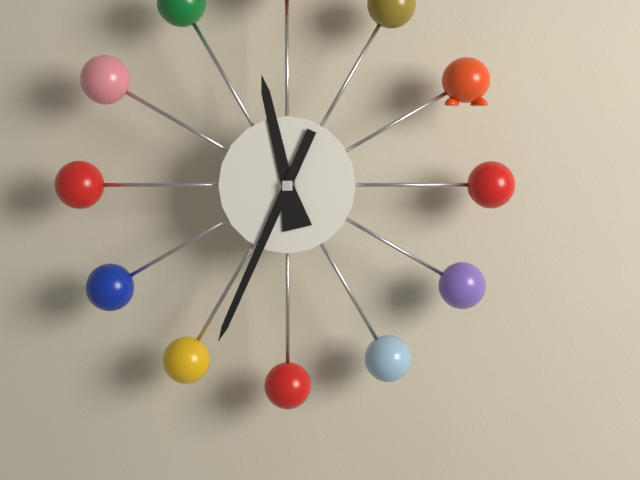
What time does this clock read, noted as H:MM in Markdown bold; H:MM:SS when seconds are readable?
**11:34**
